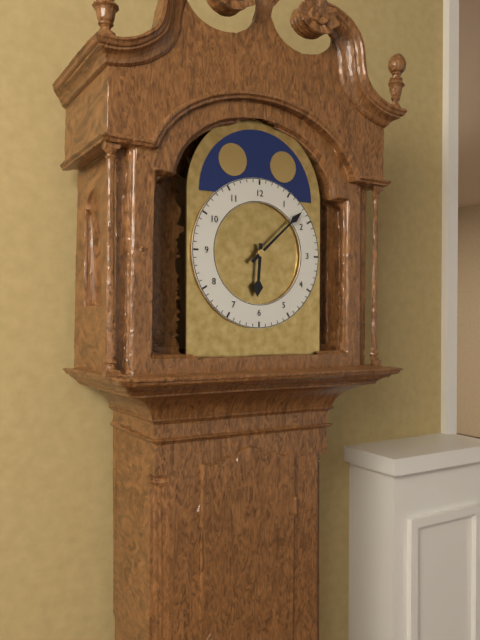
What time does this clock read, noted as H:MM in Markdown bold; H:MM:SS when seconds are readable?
**6:08**
